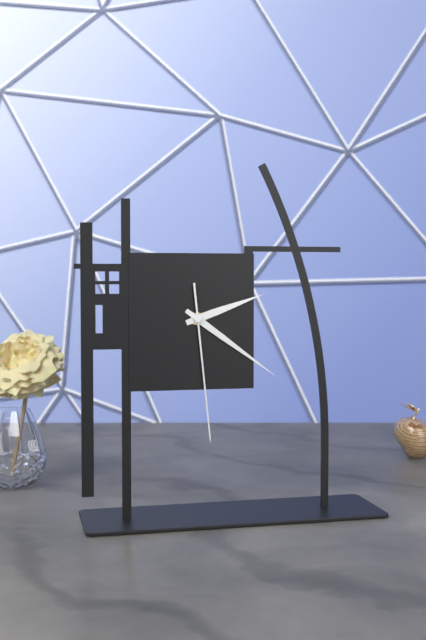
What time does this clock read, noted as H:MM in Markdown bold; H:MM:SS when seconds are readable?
**2:21:29**
